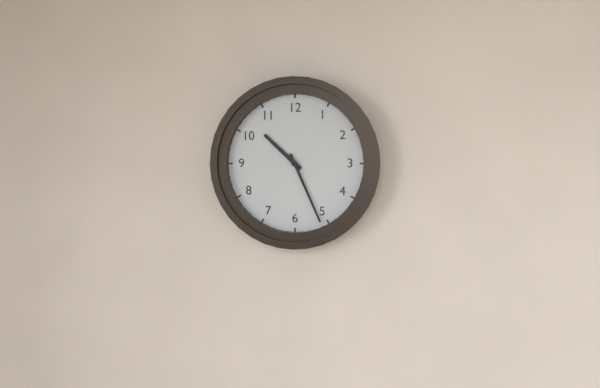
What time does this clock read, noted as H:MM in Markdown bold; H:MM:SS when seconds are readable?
**10:26**
